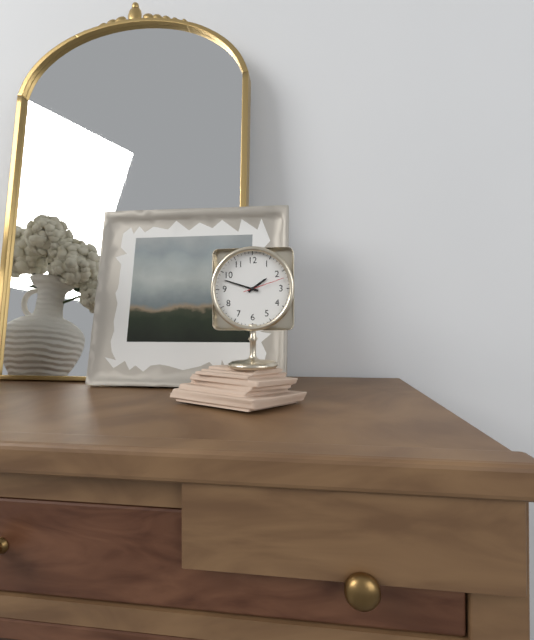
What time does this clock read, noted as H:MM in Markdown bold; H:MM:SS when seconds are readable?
**1:48**
